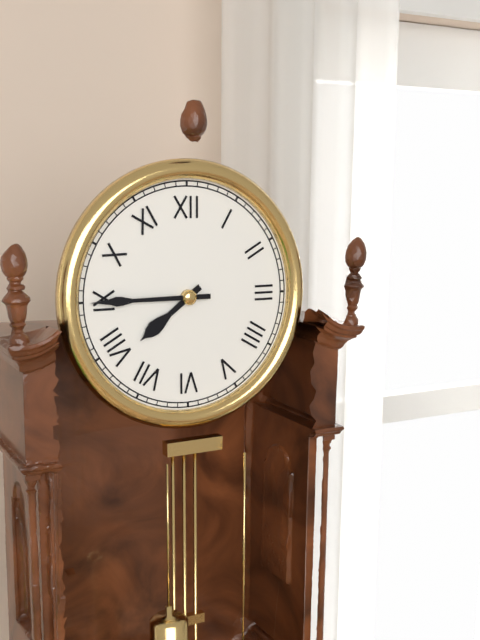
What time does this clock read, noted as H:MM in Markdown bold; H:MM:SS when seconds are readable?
**7:45**
